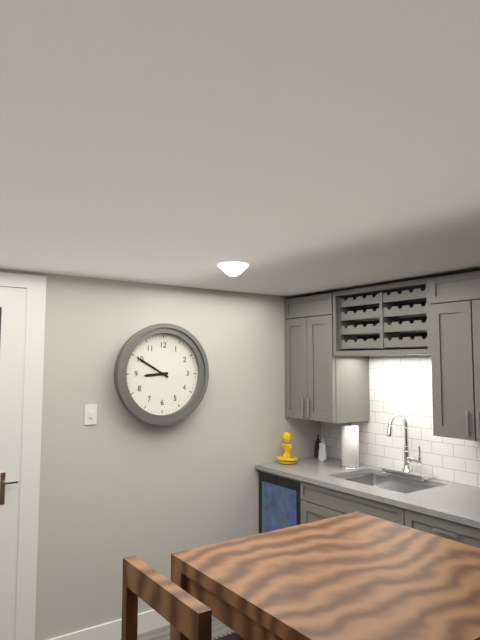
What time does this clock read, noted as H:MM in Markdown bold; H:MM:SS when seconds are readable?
**8:50**
